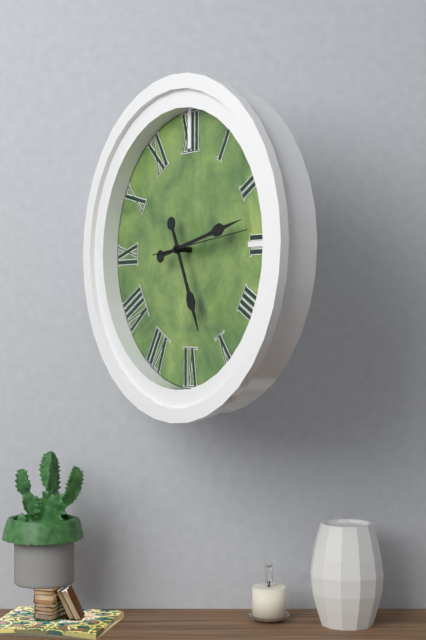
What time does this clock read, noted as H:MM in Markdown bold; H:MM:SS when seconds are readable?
**5:13:14**
